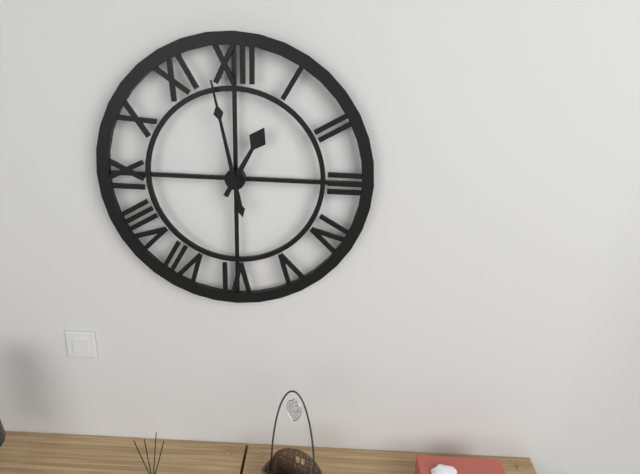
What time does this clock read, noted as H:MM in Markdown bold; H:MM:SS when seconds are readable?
**12:58**
